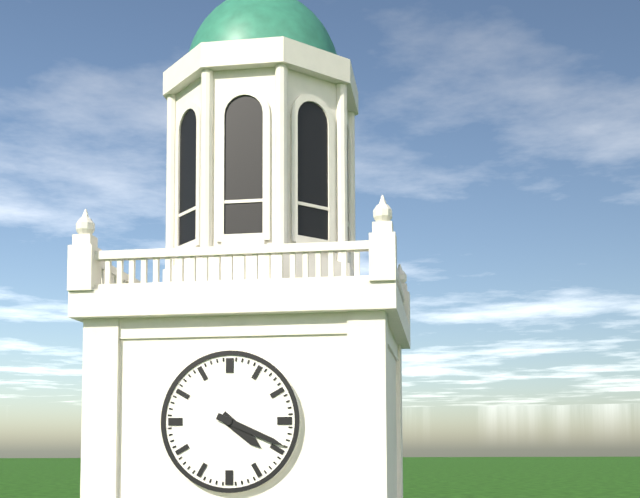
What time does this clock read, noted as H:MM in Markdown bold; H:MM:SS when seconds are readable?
**4:19**
